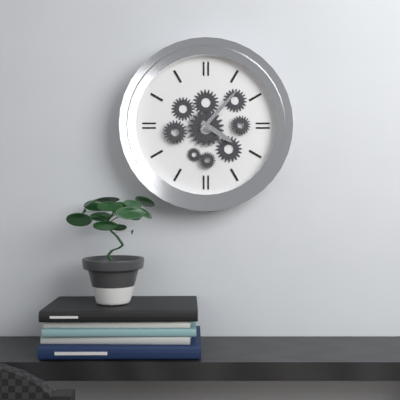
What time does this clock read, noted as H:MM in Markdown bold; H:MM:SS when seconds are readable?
**4:07**
